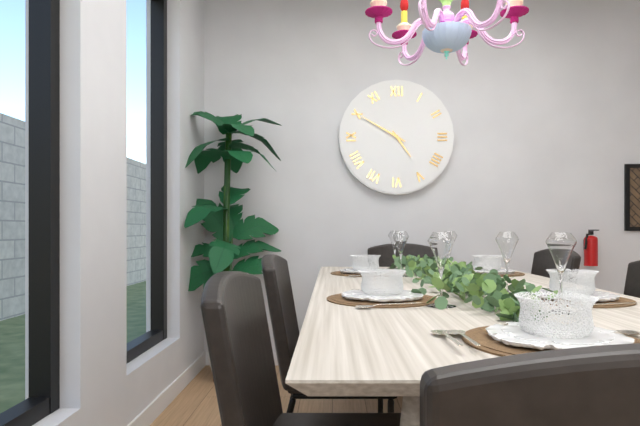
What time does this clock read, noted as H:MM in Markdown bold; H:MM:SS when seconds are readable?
**4:50**
